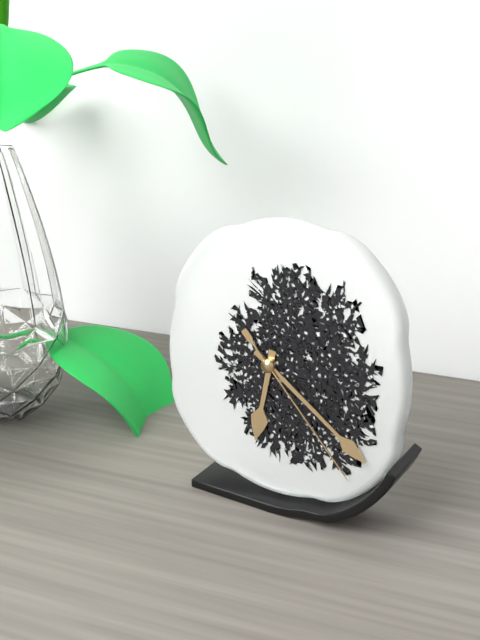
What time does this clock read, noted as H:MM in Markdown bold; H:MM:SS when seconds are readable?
**6:21:23**
